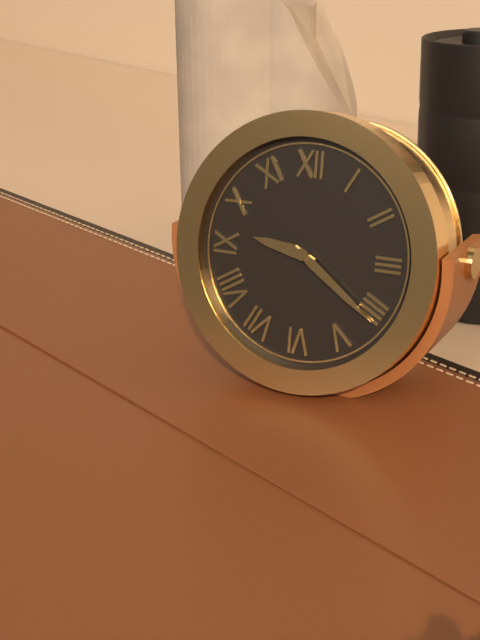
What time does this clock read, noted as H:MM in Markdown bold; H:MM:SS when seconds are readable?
**9:21**
